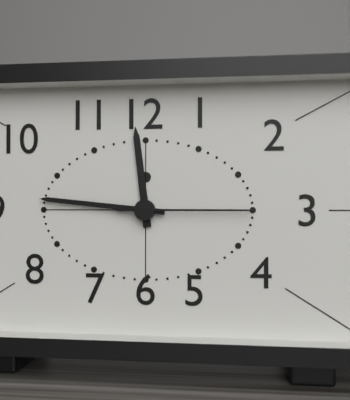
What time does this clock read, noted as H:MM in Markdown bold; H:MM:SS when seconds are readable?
**11:46:15**
